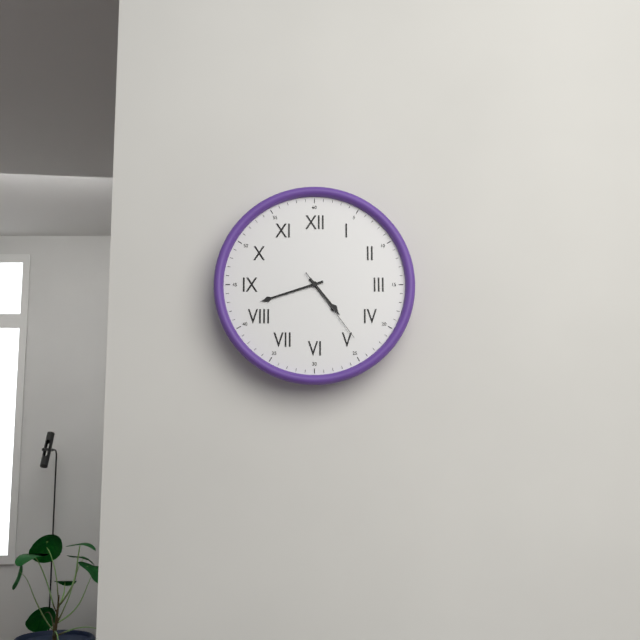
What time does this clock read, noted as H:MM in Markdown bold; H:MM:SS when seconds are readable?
**4:42:24**
